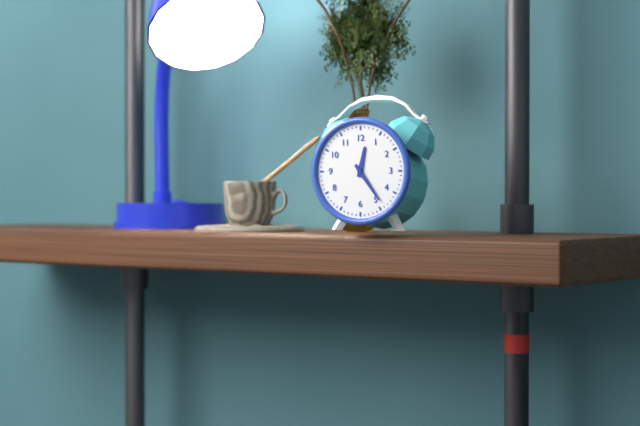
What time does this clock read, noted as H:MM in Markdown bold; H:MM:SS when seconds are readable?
**12:24**
